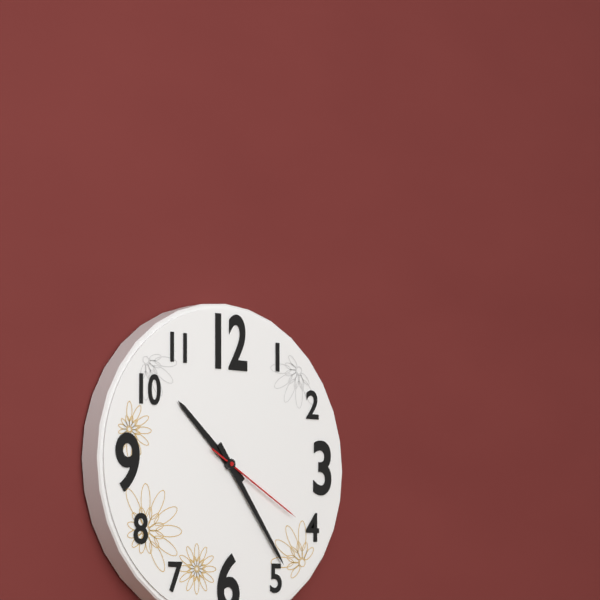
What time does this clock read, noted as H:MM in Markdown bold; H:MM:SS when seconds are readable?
**10:24:20**
